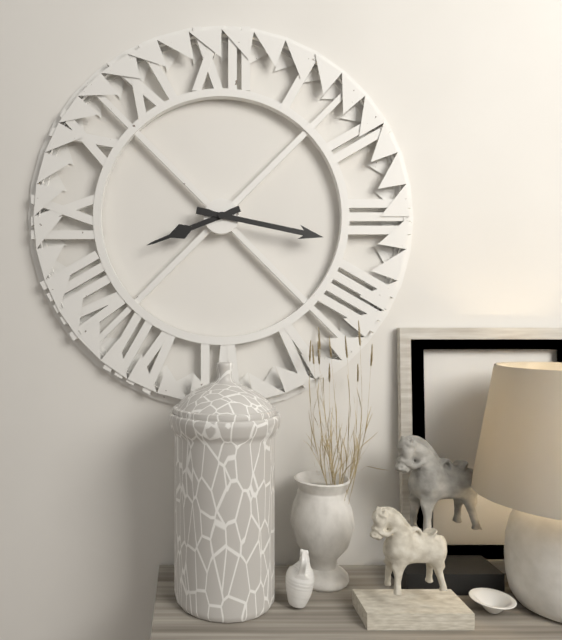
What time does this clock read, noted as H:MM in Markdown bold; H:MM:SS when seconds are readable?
**8:17**
